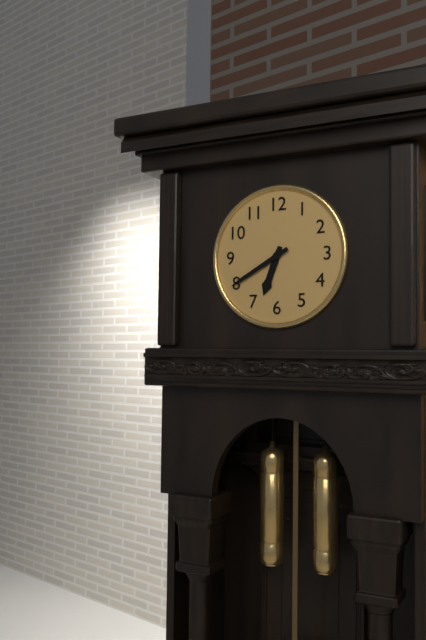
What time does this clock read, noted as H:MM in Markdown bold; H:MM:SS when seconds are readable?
**6:40**
